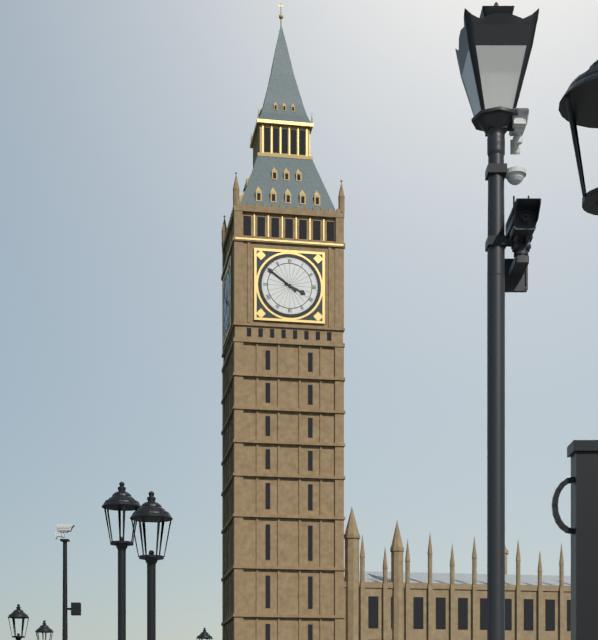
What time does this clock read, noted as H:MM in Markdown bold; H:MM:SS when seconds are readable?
**3:51**
